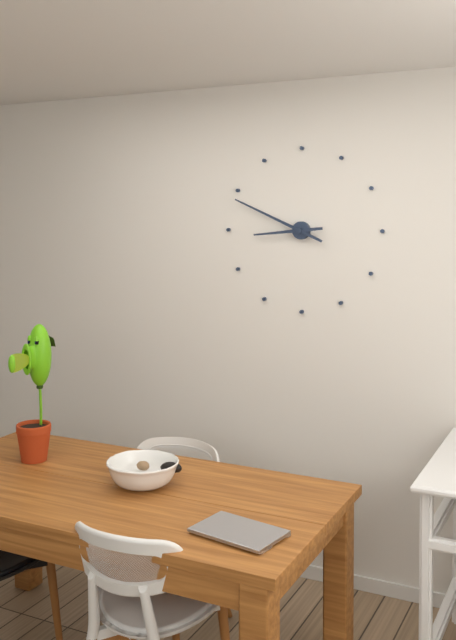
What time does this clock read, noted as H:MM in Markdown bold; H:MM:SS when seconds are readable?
**8:49**
